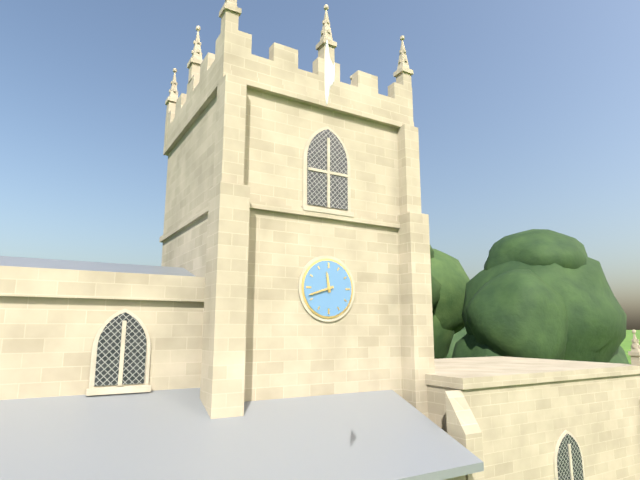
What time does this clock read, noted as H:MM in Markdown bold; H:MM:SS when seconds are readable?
**11:42**
